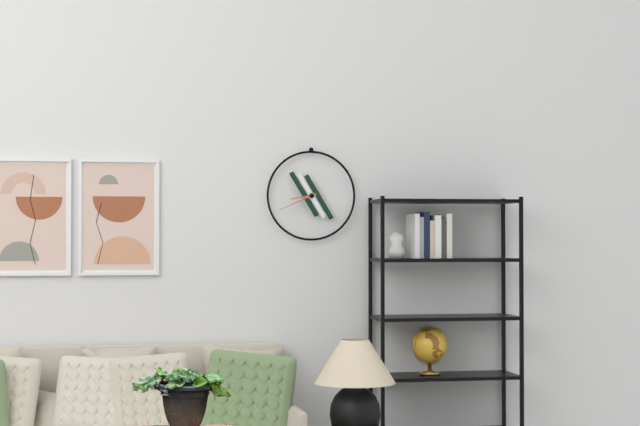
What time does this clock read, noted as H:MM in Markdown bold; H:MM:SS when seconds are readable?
**8:41**
